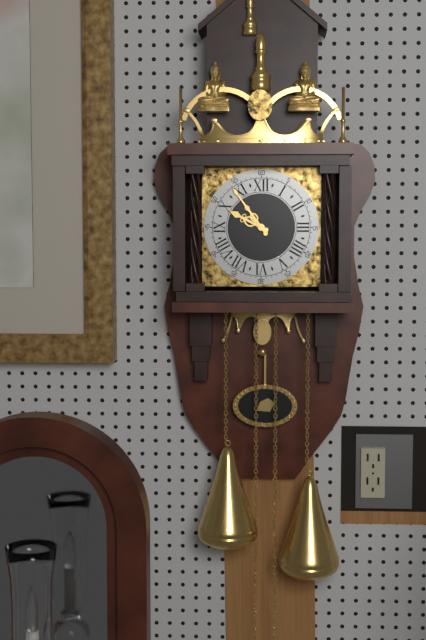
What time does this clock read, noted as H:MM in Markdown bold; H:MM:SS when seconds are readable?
**9:54**
